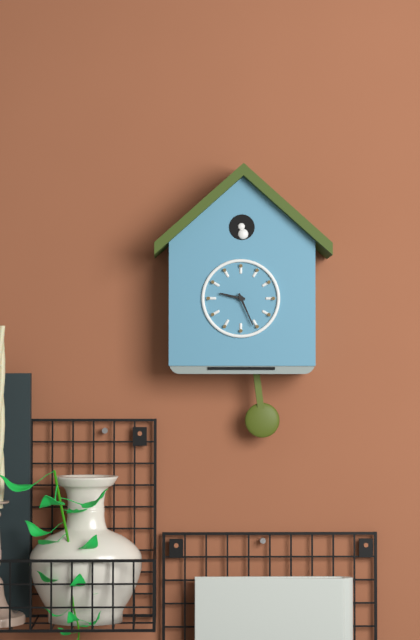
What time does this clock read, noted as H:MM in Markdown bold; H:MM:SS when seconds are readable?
**9:26**
